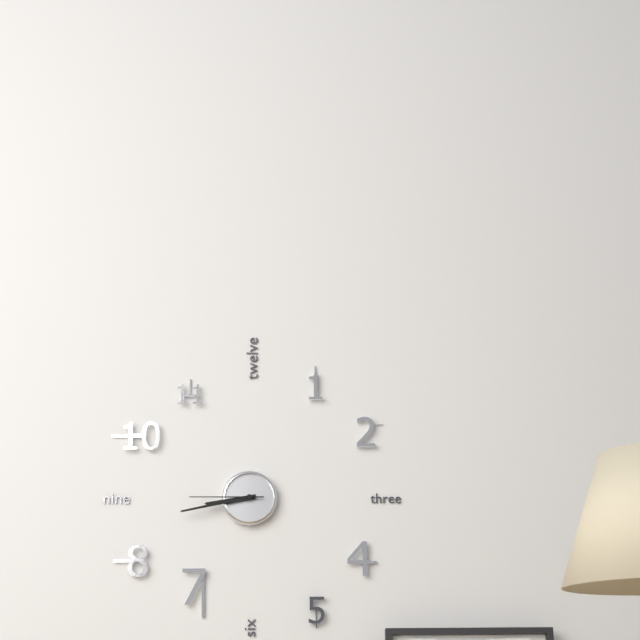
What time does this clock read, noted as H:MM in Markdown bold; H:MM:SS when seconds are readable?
**8:43:45**
